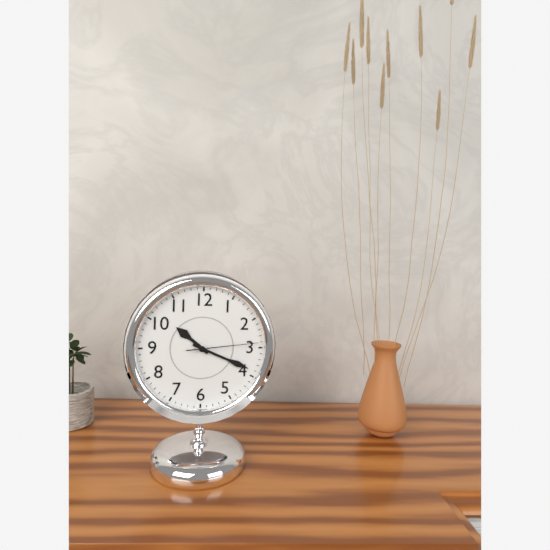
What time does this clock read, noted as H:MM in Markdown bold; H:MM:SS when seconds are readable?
**10:19:14**
